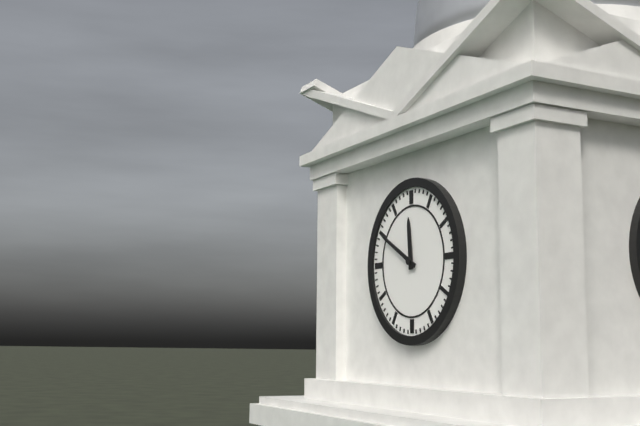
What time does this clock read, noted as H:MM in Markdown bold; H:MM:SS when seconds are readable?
**11:50**
